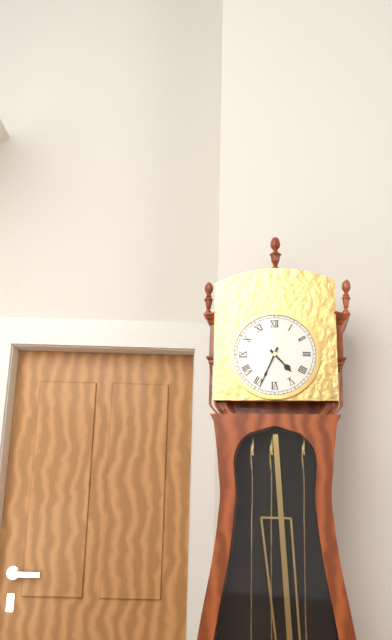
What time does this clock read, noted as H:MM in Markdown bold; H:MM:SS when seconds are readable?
**4:34**
